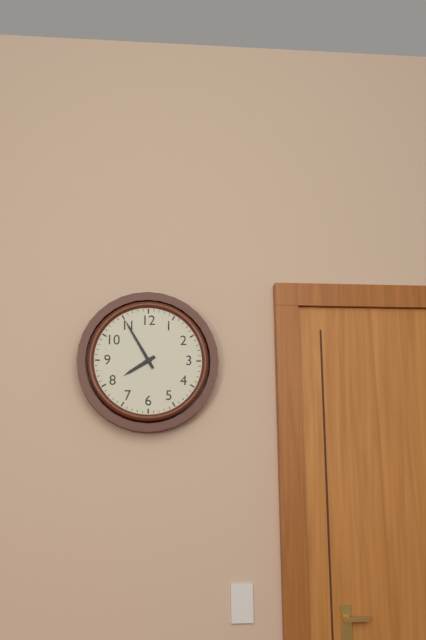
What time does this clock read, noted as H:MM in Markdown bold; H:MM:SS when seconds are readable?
**7:55**
